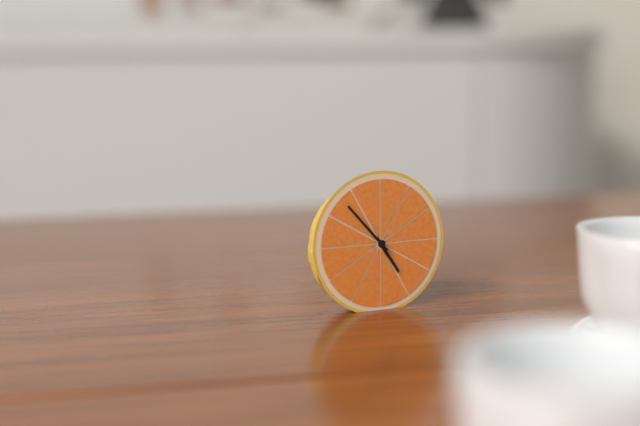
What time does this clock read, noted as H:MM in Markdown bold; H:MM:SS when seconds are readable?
**4:53**
